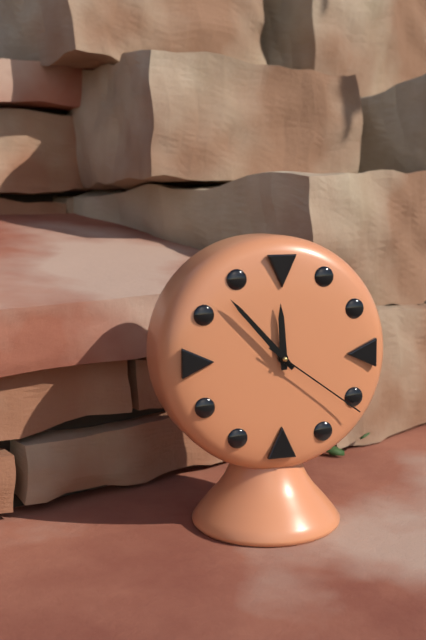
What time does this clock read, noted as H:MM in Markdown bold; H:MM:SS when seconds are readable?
**11:53:21**
